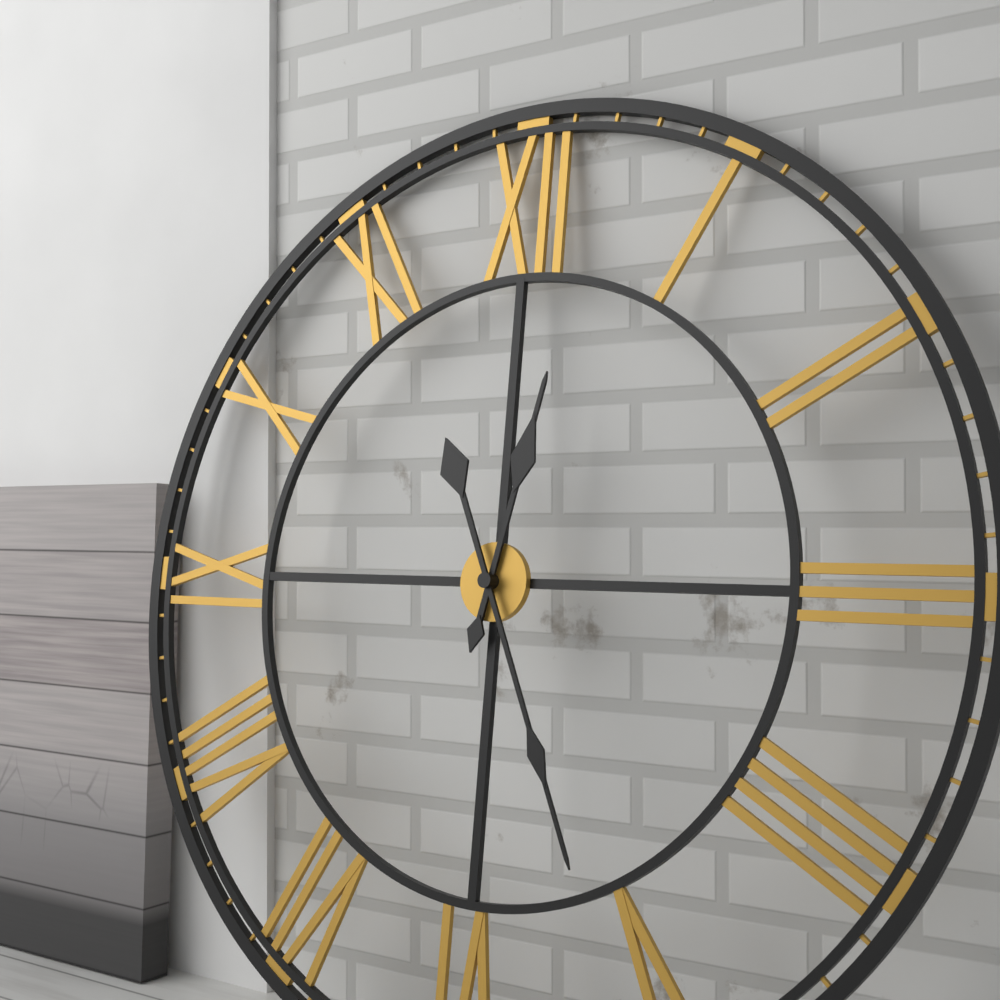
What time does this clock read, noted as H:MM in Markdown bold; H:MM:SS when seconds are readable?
**12:26**
